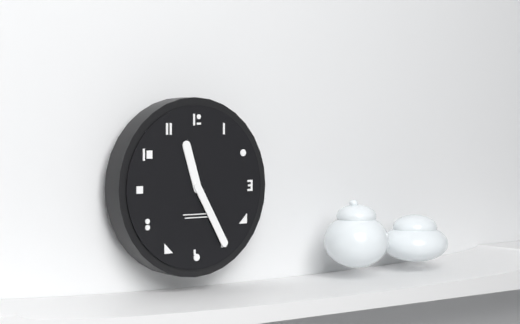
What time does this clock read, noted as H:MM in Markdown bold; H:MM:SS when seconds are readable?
**11:25**
